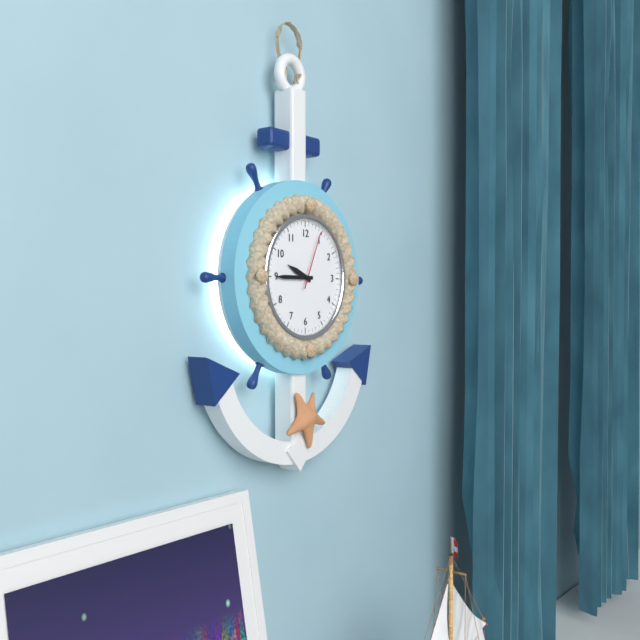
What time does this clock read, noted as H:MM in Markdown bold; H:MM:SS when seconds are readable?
**9:45:04**
